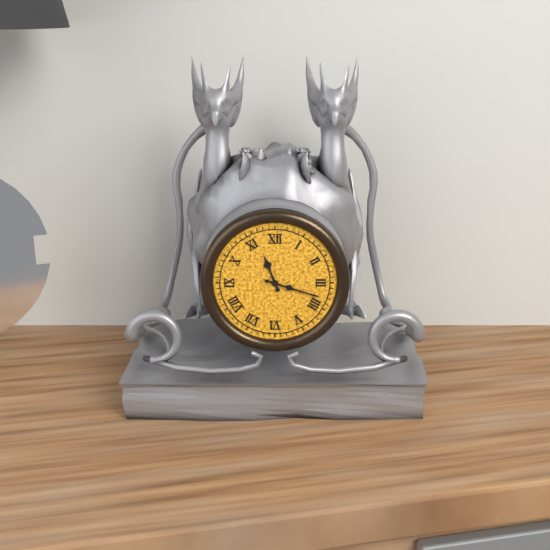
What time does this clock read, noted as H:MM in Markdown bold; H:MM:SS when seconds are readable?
**11:18**
